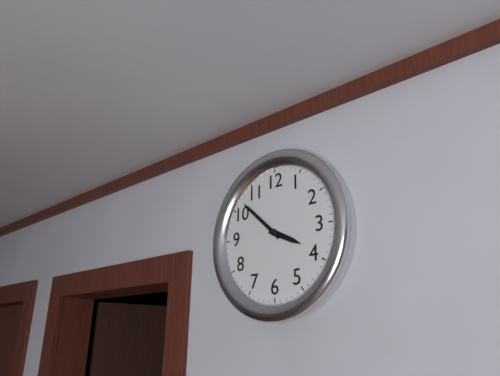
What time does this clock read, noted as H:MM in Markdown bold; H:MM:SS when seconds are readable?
**3:52**
